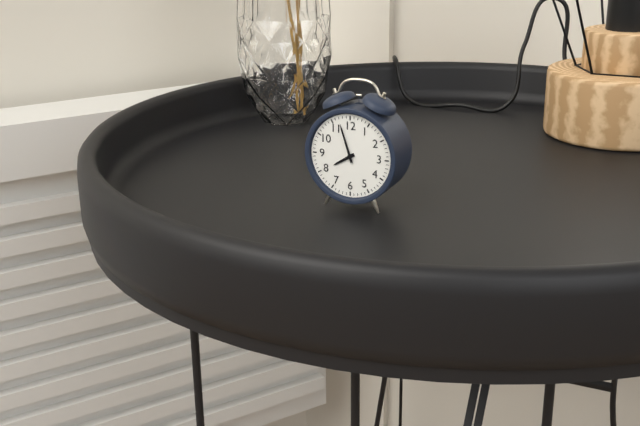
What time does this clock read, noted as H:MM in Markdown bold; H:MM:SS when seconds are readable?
**7:57**
